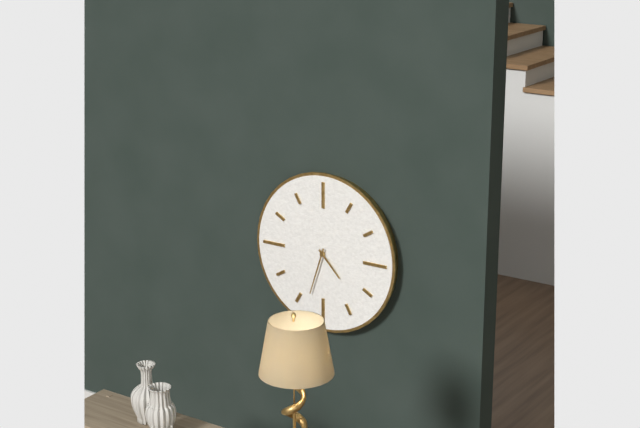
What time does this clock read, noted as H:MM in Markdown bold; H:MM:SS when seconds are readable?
**4:33**
